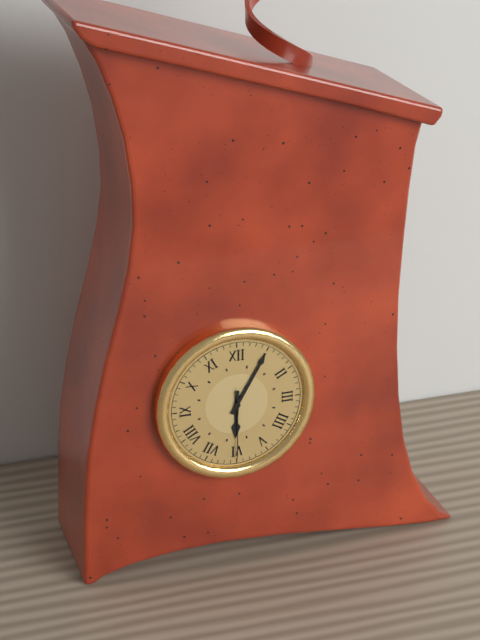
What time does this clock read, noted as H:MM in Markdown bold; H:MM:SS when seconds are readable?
**6:05:30**
